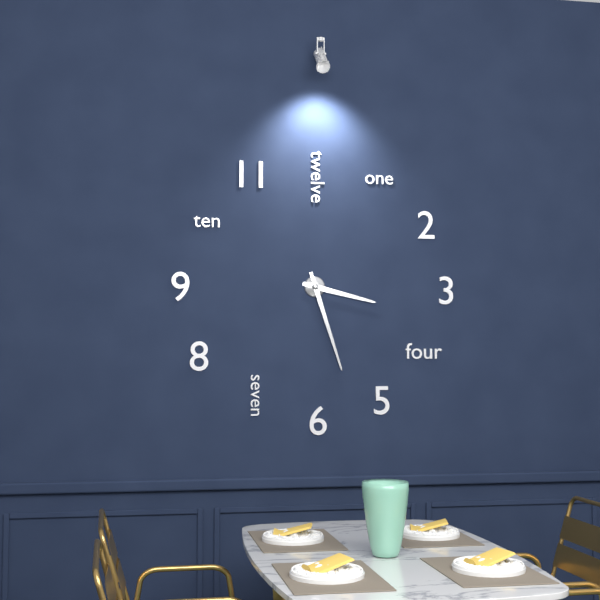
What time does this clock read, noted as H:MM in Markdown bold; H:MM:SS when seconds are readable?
**3:27**
